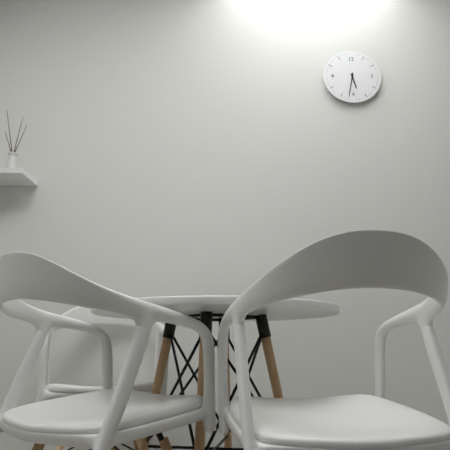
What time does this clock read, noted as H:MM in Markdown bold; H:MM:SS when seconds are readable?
**5:32**
